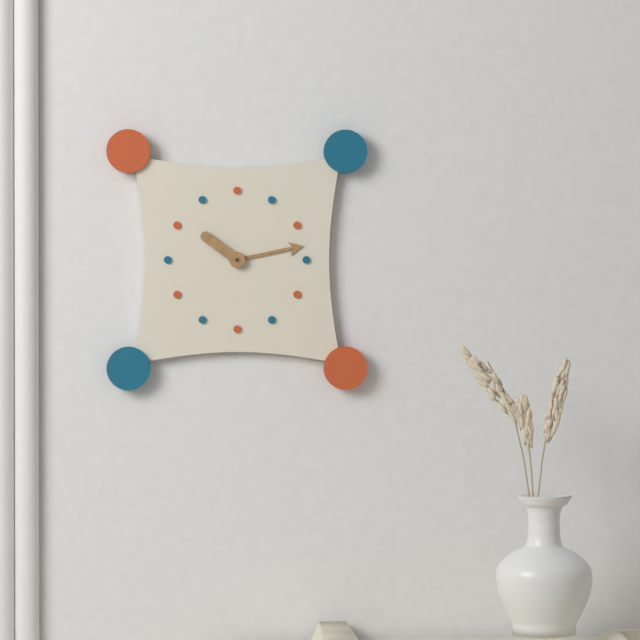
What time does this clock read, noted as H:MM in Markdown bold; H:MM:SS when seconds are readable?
**10:13**
